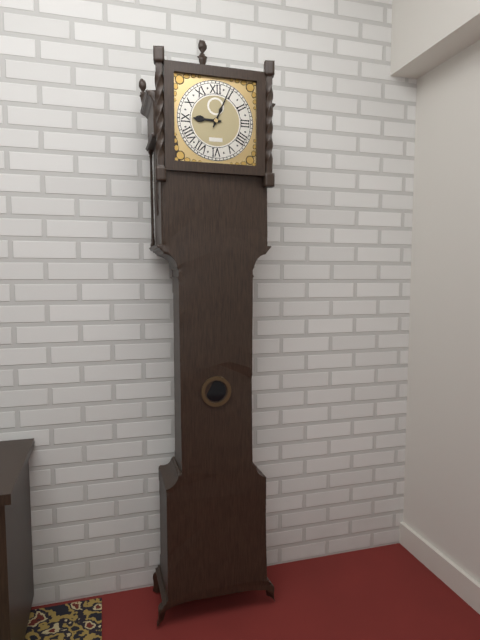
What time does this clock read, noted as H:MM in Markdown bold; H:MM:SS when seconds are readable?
**9:04**
